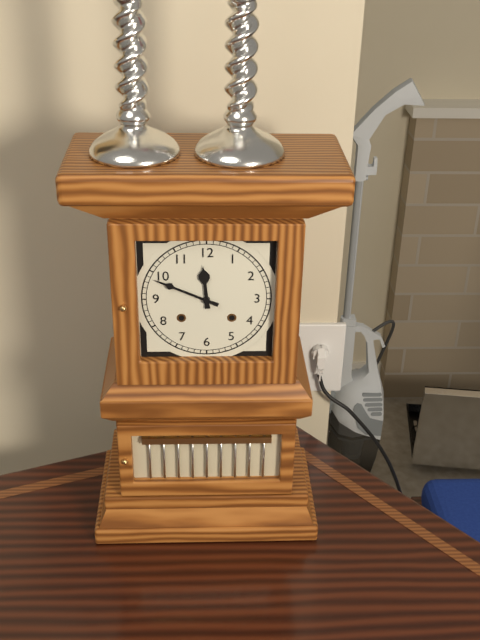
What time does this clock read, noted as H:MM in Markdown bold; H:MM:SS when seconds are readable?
**11:49**
